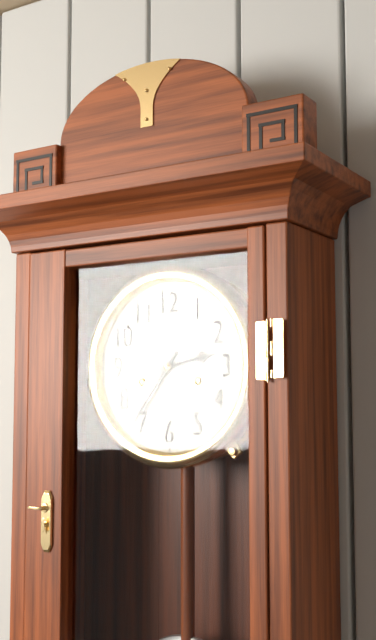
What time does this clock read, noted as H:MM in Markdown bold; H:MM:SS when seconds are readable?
**2:36**
